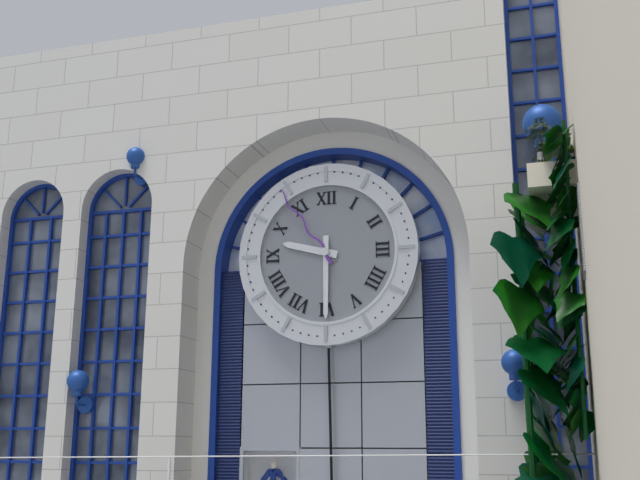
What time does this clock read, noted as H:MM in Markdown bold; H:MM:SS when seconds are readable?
**9:30:54**
